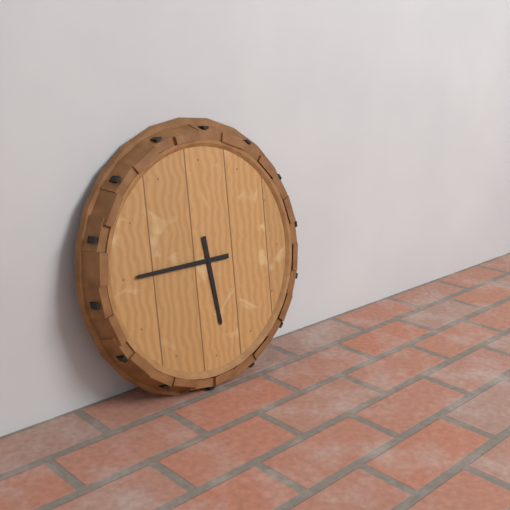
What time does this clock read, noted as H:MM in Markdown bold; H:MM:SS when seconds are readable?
**5:45**
